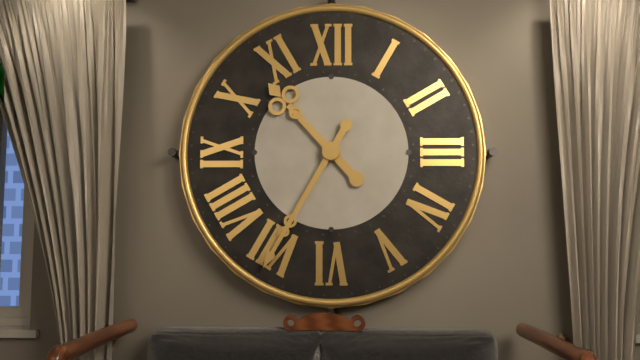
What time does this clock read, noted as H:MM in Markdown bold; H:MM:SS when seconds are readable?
**10:35**
